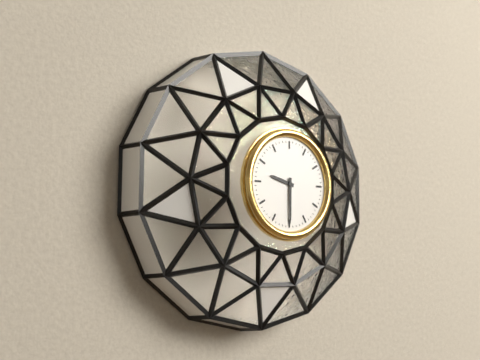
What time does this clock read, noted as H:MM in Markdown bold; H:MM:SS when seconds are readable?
**9:30**
